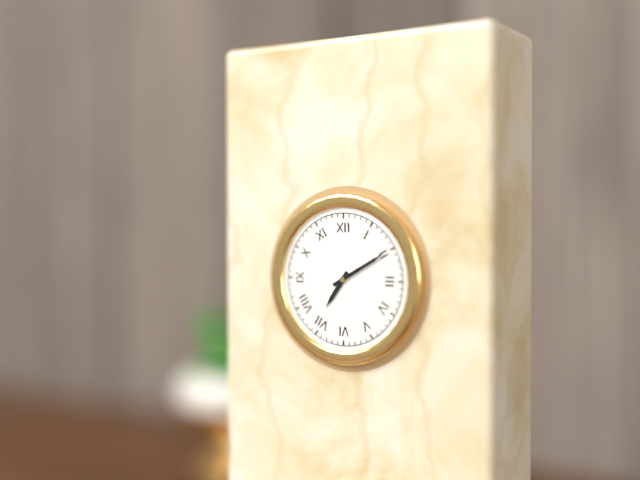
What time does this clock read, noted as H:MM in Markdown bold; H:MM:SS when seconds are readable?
**7:10**
